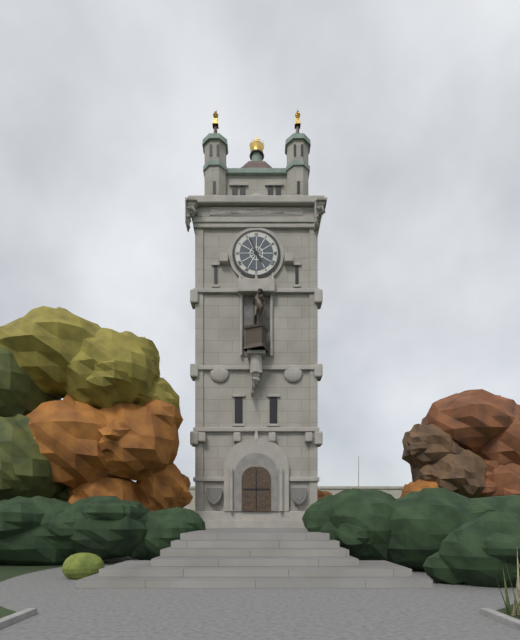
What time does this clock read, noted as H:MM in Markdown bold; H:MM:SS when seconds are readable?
**4:56**
